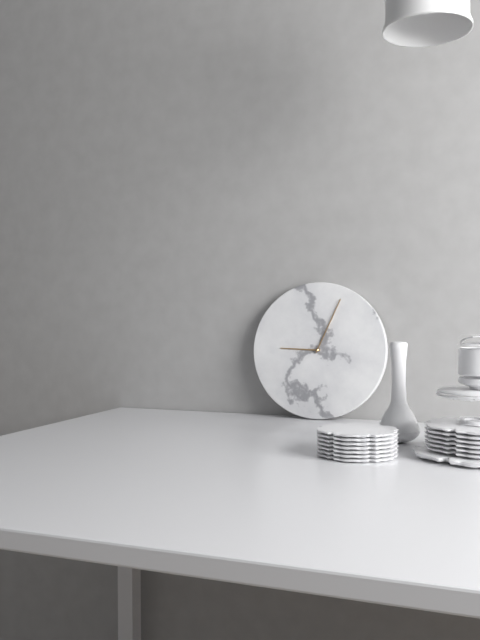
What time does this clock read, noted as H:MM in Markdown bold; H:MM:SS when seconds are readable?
**9:04**
